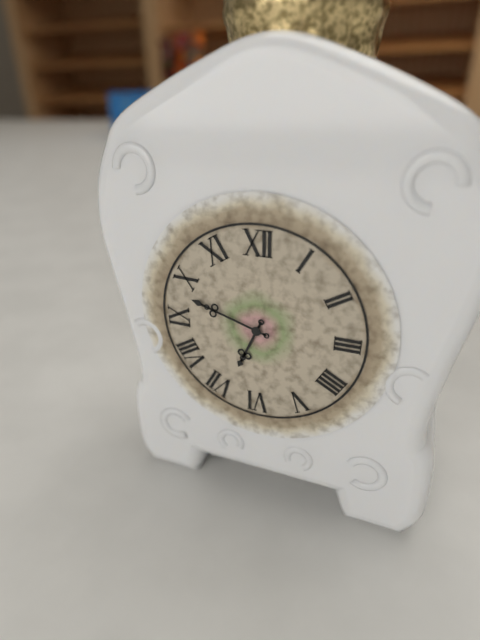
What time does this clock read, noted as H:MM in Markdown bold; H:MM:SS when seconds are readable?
**6:48**
